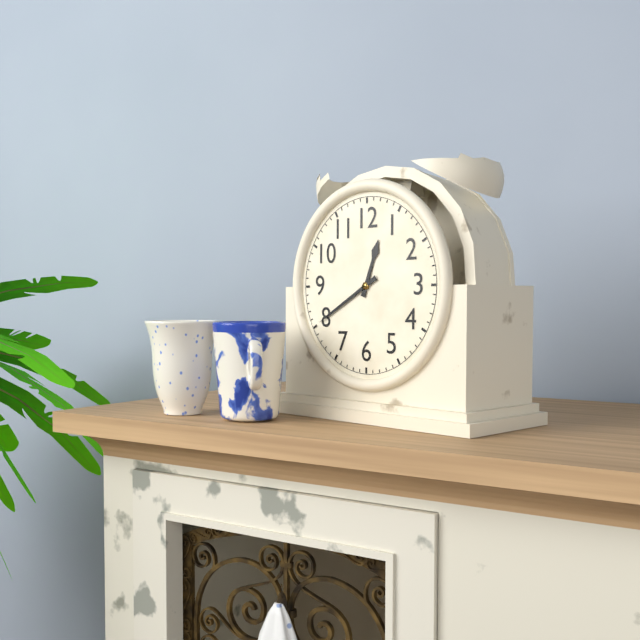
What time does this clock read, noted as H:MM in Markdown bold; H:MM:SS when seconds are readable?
**12:40**
